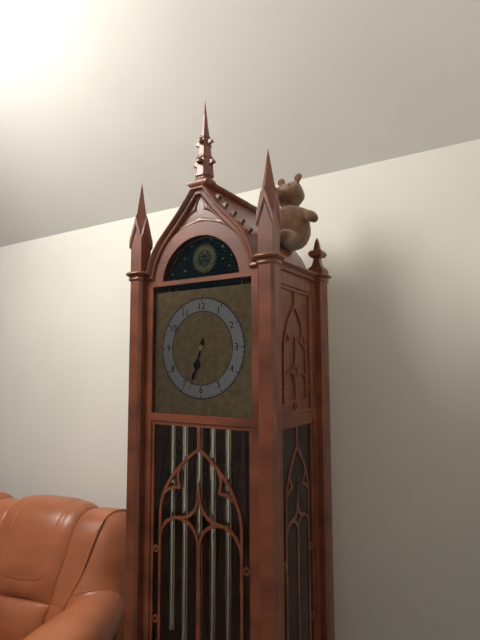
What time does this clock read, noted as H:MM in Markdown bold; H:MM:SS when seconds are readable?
**6:33**
